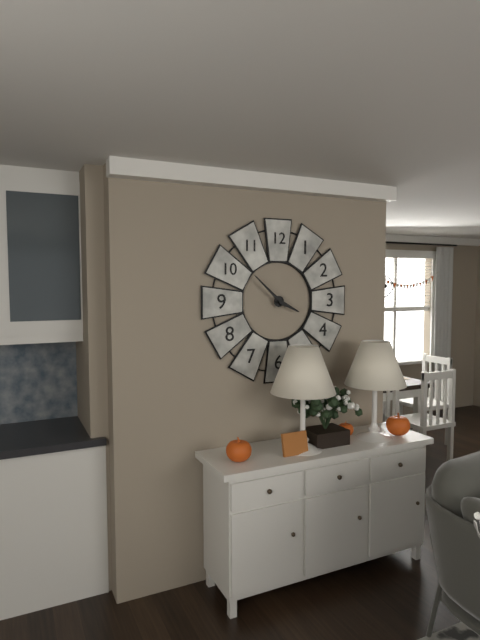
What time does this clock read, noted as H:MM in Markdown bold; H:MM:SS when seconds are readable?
**3:52**
